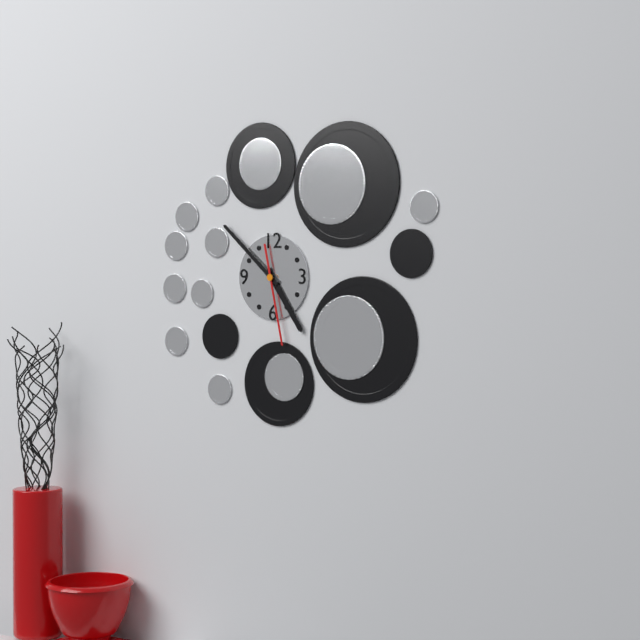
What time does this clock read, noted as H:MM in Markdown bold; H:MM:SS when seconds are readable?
**4:52:28**
